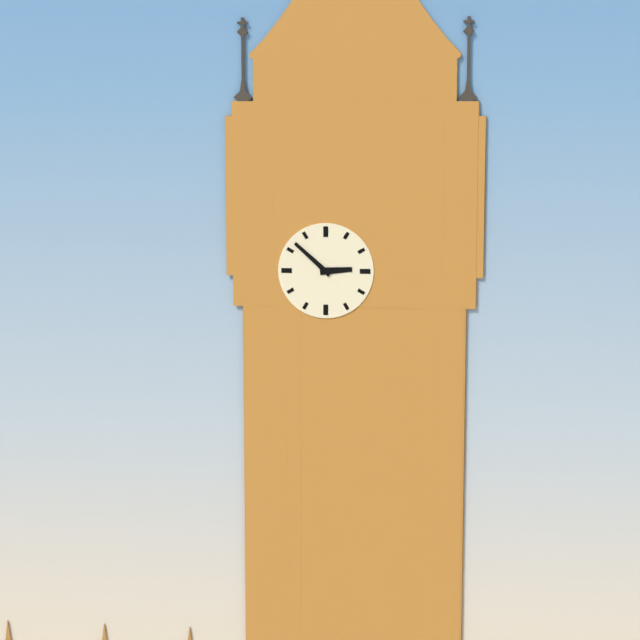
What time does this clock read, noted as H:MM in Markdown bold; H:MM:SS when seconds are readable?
**2:52**
